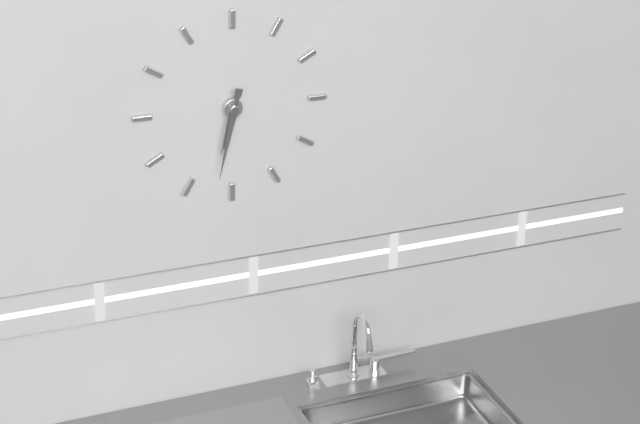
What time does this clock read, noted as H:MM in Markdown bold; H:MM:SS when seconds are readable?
**6:32**
